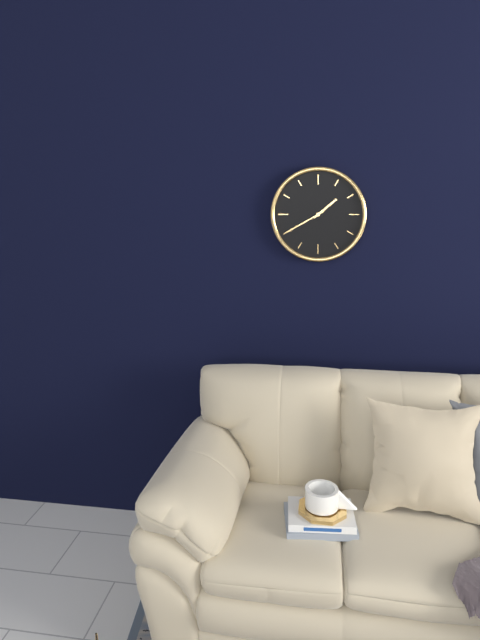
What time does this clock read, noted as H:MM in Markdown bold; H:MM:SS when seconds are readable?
**1:40**
